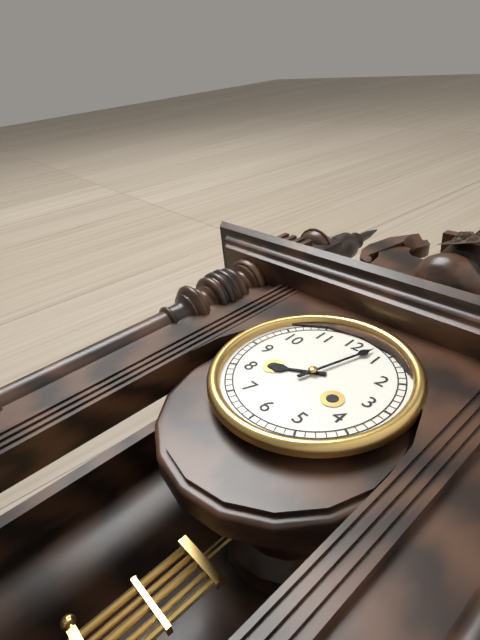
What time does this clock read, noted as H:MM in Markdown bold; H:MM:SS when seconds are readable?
**8:03**
